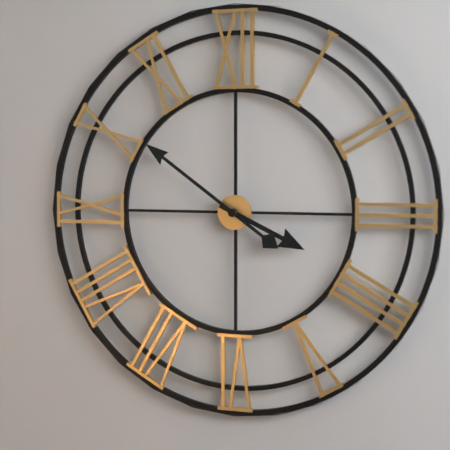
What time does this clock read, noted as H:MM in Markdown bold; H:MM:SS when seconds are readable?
**3:51**
